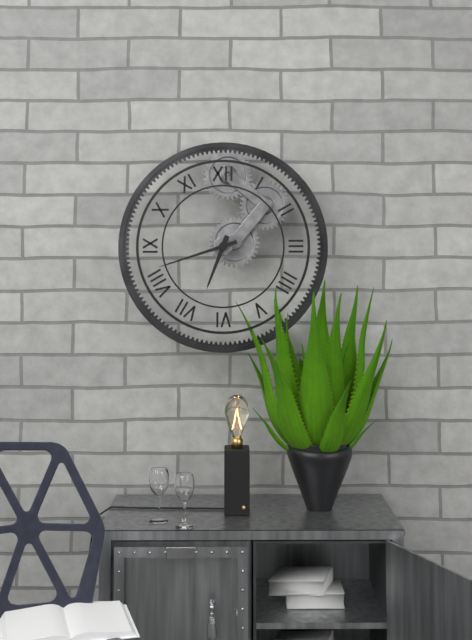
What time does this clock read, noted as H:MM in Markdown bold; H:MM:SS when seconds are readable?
**6:42**
